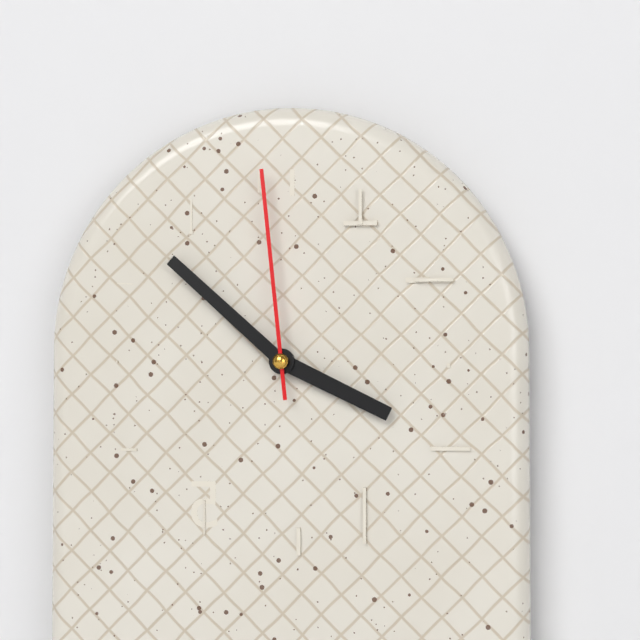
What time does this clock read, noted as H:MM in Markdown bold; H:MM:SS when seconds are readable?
**3:52:59**
